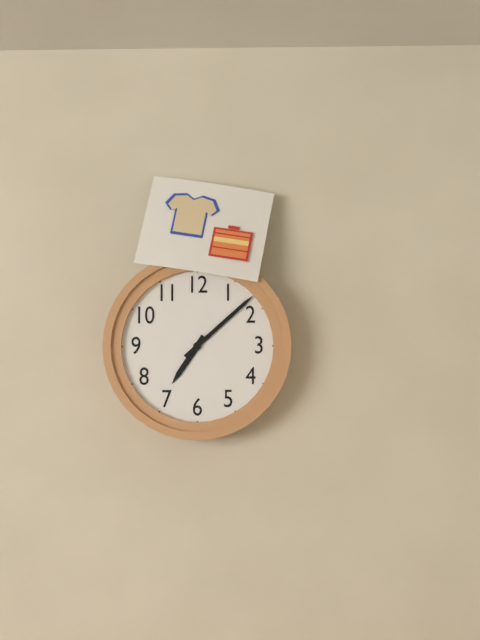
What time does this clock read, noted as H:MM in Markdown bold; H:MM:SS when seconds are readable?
**7:08**
